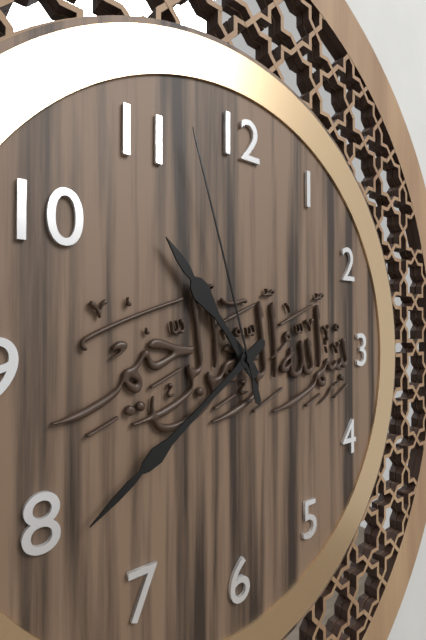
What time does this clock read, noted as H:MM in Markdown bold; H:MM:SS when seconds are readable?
**10:39:57**
